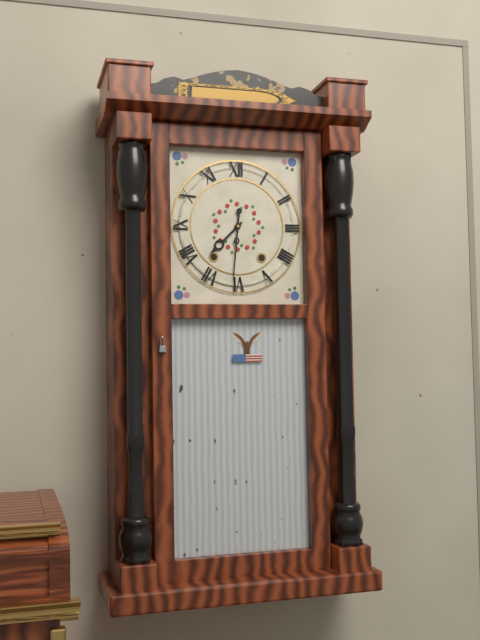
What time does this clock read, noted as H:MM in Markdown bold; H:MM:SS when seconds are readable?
**7:31**
